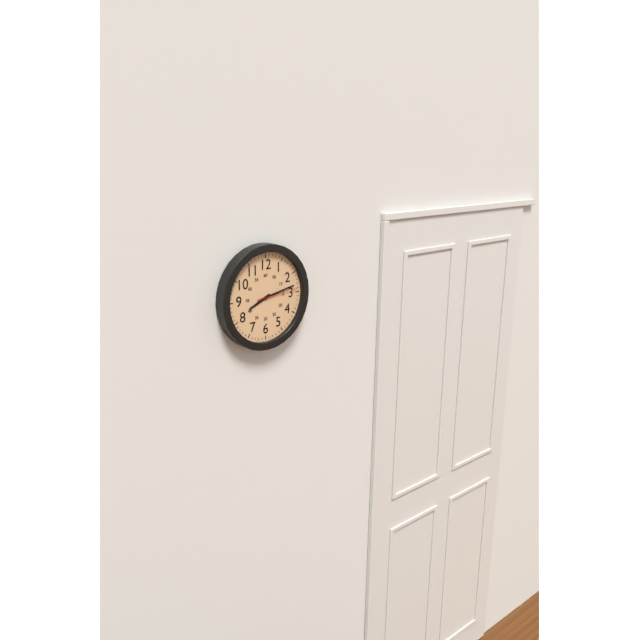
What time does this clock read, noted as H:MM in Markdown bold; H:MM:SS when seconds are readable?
**8:13**
